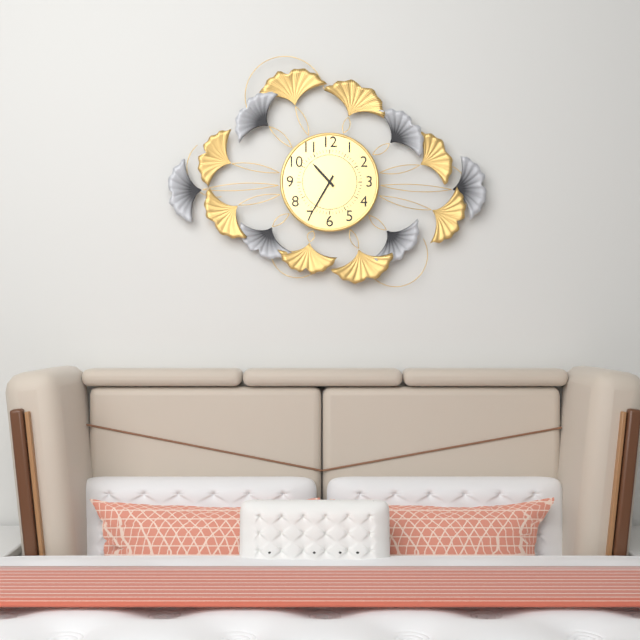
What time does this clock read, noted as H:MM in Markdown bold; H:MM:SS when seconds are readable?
**10:35**
